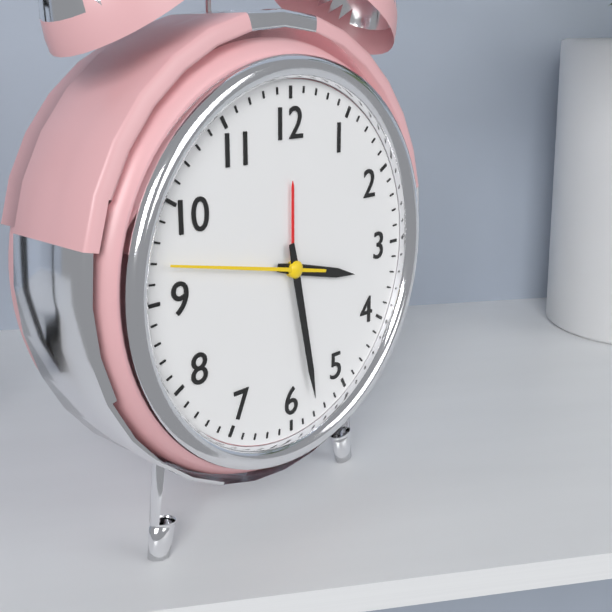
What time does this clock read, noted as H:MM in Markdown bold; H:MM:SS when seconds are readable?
**3:28:47**
